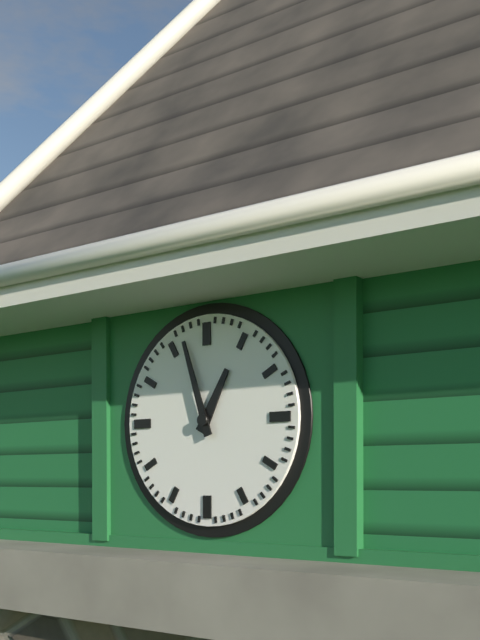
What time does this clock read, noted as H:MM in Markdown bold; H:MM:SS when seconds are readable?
**12:57**
